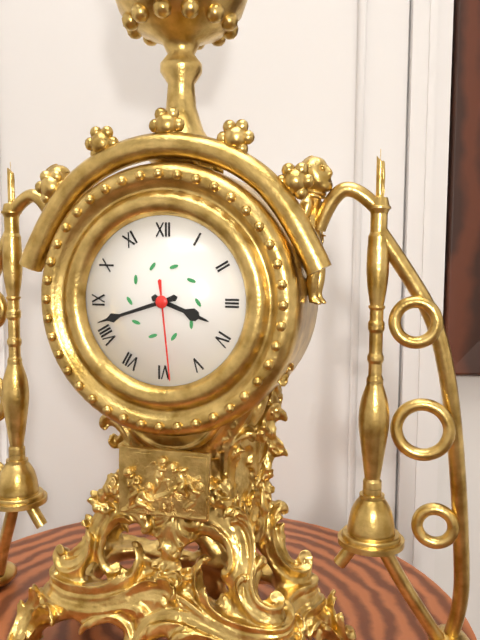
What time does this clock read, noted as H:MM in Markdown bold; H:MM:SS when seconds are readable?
**3:42:29**
